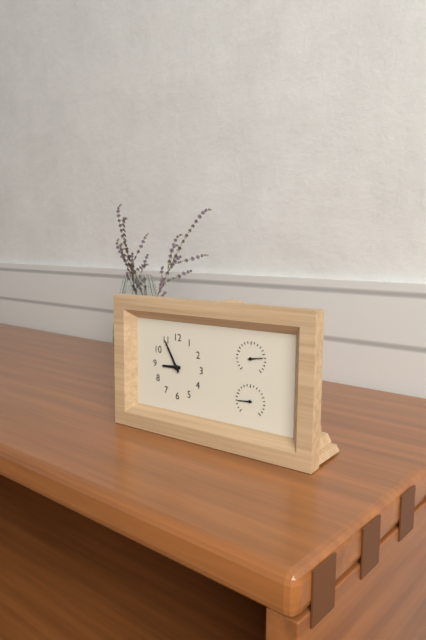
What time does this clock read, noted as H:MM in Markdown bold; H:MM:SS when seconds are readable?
**8:55**
